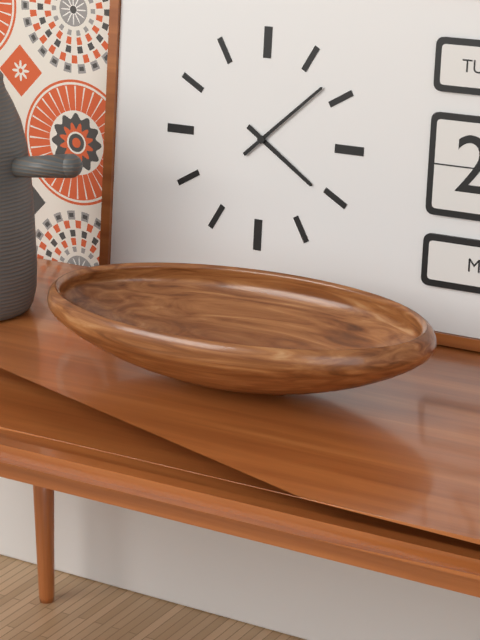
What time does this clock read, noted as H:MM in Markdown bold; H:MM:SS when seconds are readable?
**4:08**
